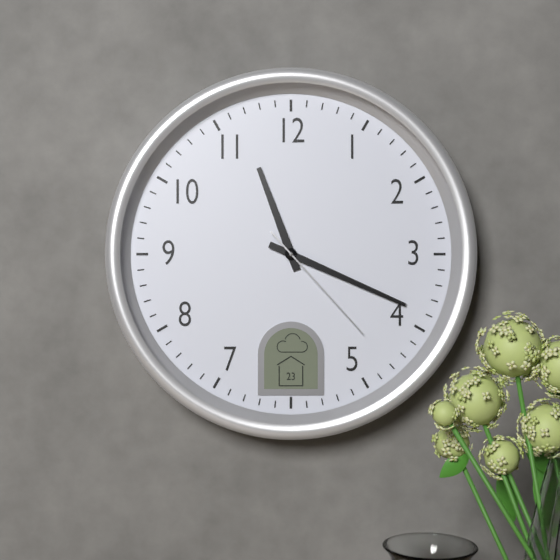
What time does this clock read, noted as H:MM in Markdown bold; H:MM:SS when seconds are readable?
**11:19:23**
